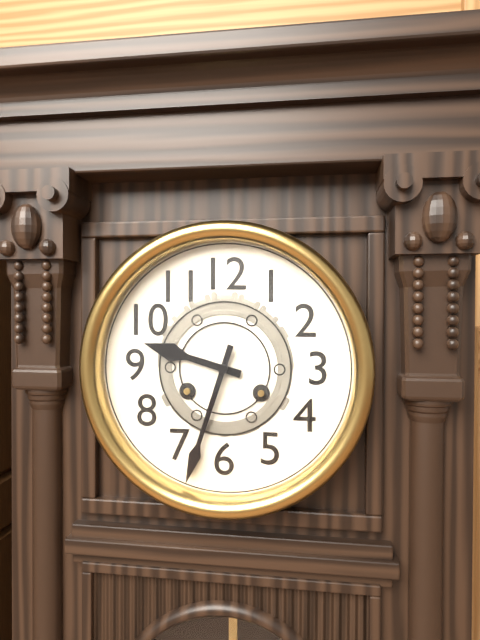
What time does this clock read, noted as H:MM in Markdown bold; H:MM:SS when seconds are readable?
**9:33**
